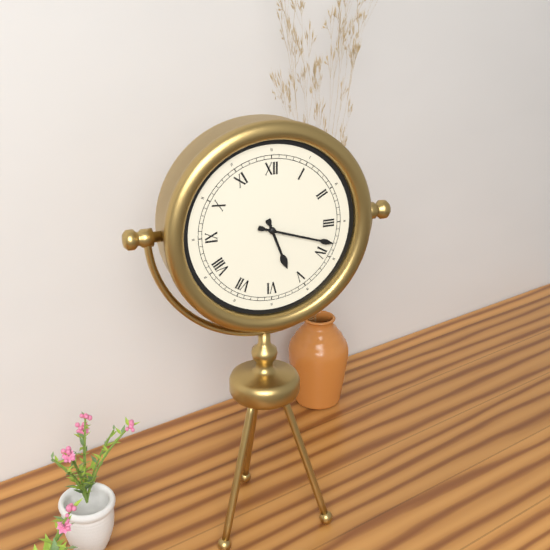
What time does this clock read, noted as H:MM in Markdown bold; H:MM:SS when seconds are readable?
**5:18**
